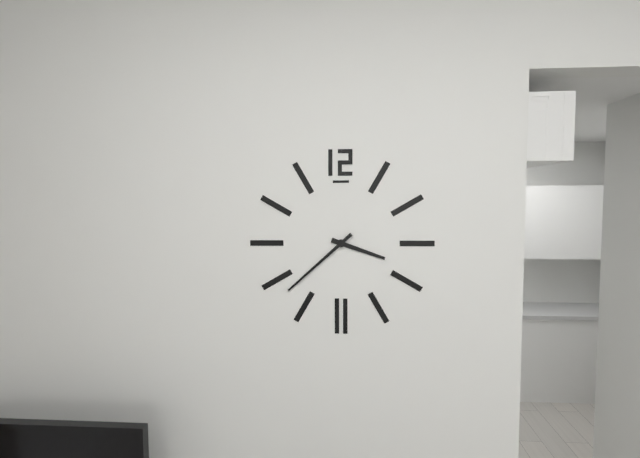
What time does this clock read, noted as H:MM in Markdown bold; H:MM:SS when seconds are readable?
**3:38**
